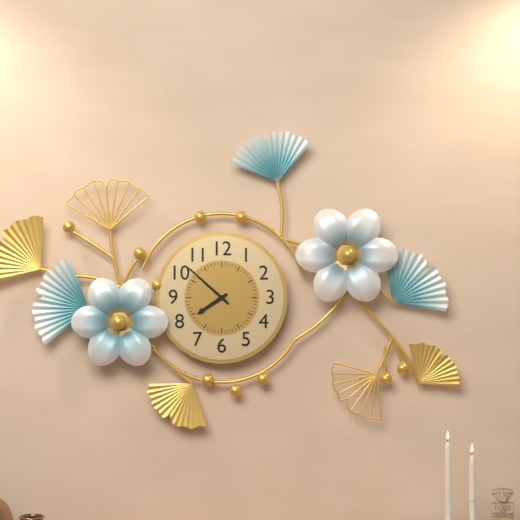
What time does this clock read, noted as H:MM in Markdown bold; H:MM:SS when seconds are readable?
**7:52**
